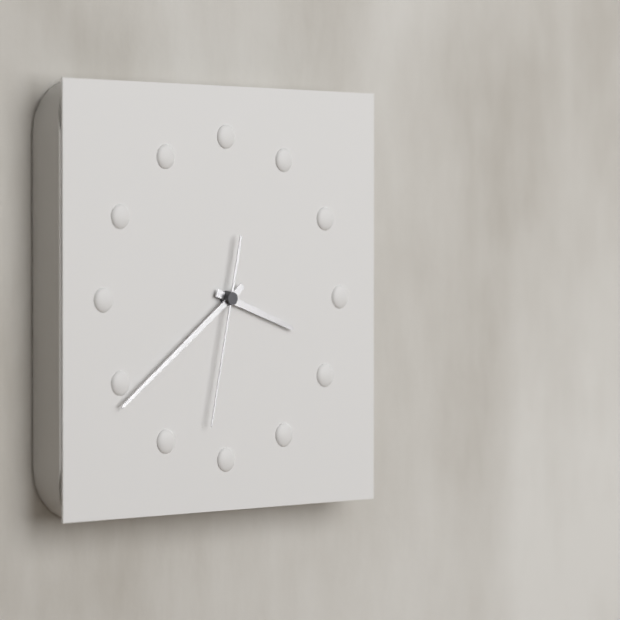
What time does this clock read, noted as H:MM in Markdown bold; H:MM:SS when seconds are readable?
**3:39:32**
